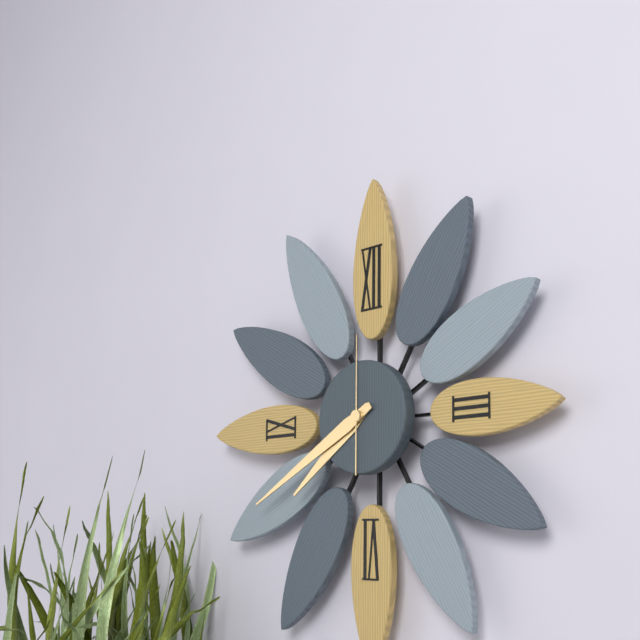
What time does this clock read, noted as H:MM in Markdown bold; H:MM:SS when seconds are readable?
**7:40:00**
